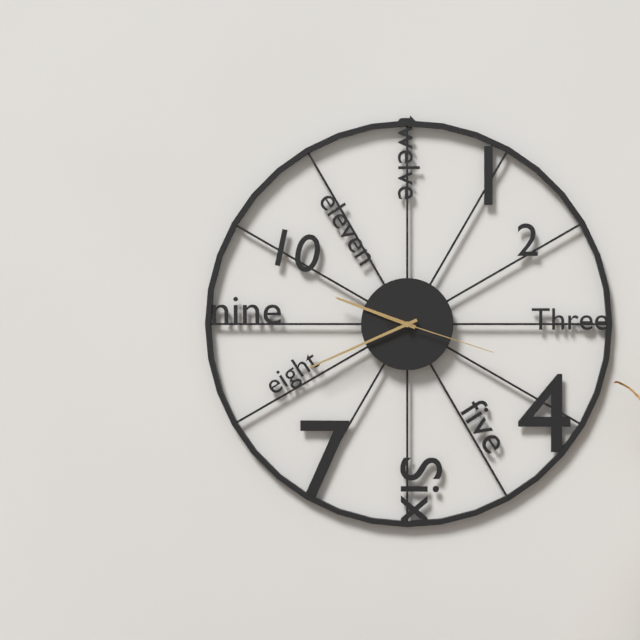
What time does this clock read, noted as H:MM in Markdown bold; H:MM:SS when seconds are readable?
**9:41:18**
